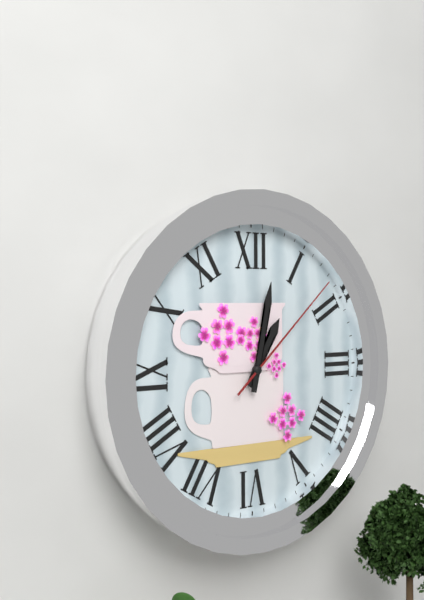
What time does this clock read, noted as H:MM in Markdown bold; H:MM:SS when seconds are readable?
**1:02:08**
